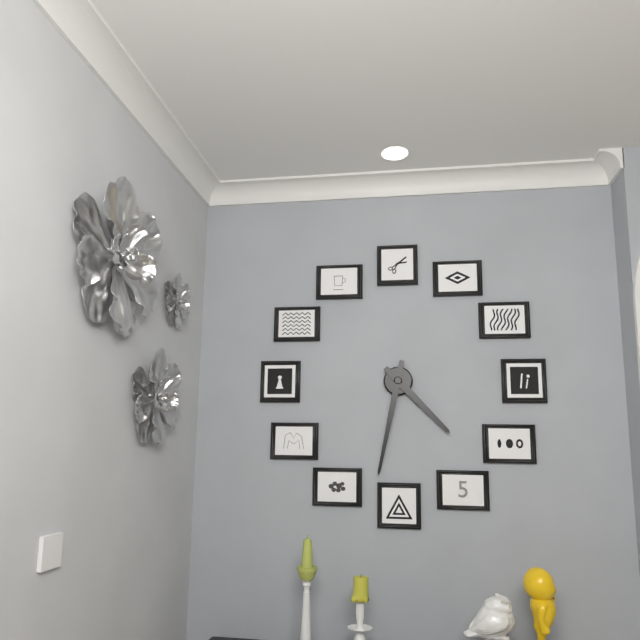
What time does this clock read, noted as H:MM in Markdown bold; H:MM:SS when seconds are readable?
**4:32**
